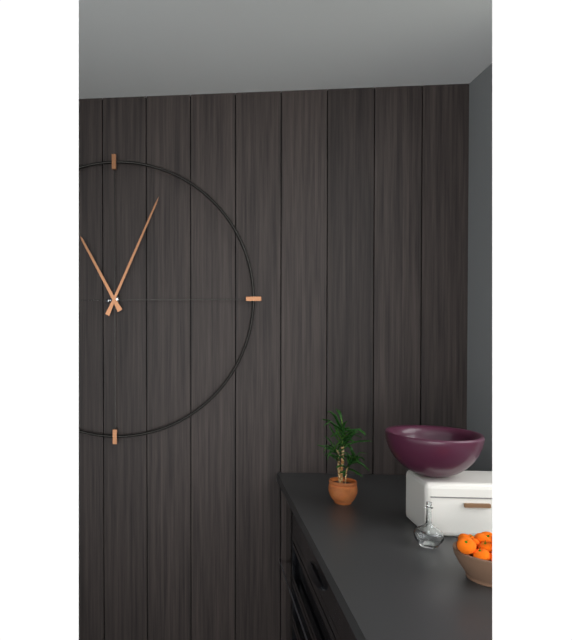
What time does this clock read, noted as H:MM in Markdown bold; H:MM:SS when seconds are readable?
**11:04**
